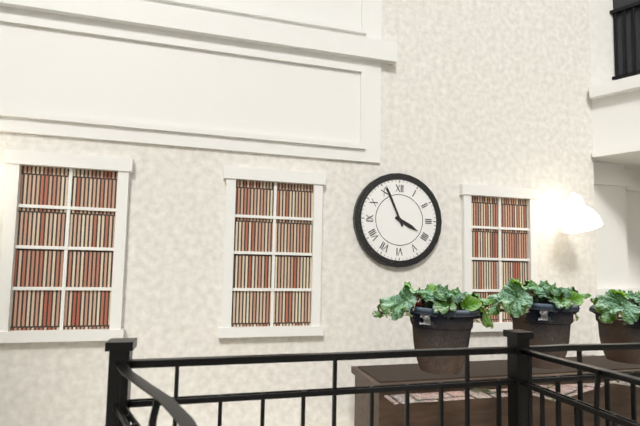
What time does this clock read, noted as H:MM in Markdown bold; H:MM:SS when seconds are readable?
**3:56**
